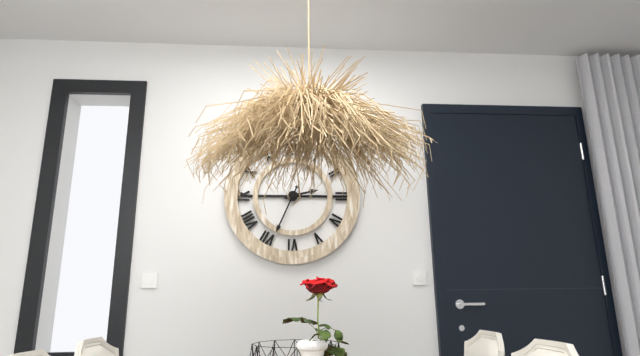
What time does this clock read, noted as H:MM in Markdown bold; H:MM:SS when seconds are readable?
**2:34**
